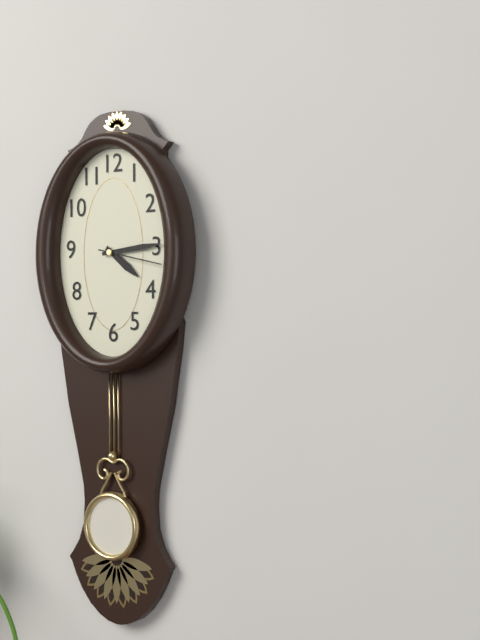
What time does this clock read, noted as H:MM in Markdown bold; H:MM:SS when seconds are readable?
**4:14:17**
